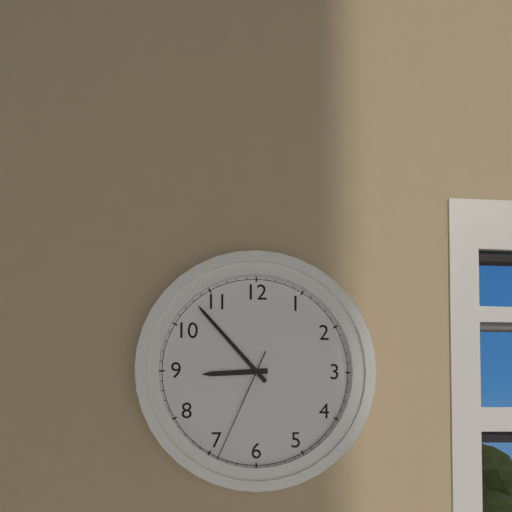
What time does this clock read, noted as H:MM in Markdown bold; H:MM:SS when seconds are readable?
**8:53:34**
